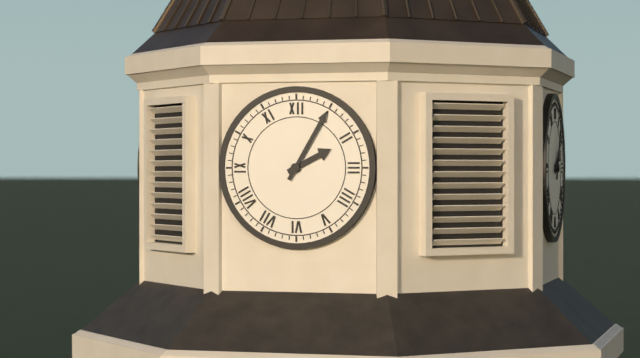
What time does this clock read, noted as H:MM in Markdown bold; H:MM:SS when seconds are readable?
**2:05**
